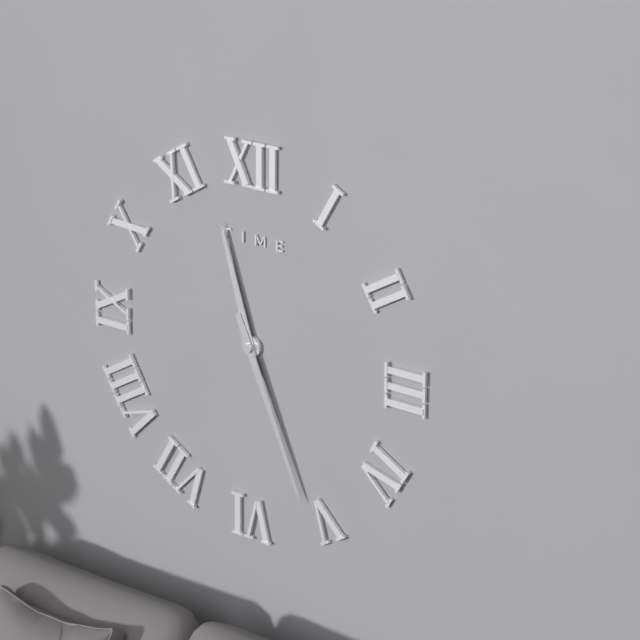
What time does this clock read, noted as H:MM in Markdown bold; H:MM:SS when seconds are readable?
**11:26**
